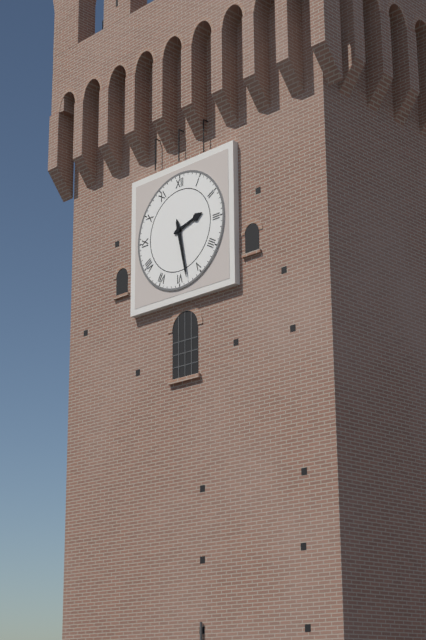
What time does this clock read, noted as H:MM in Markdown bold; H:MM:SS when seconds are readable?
**2:28**
